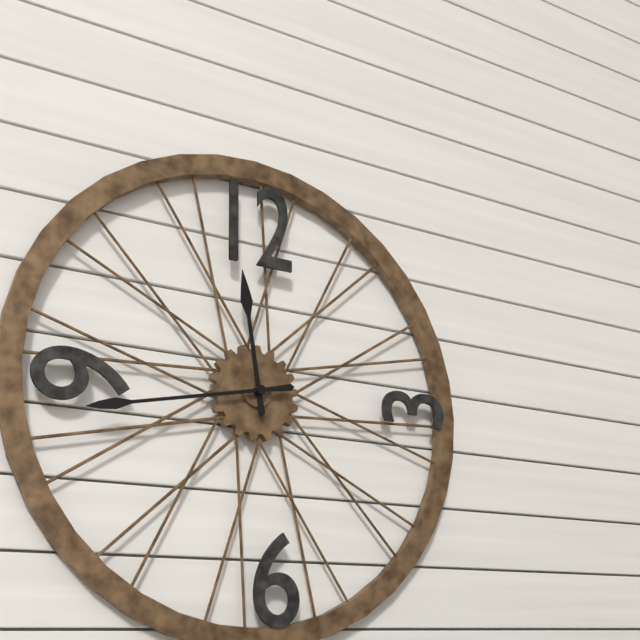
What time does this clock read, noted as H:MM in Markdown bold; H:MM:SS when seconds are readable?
**11:43**
